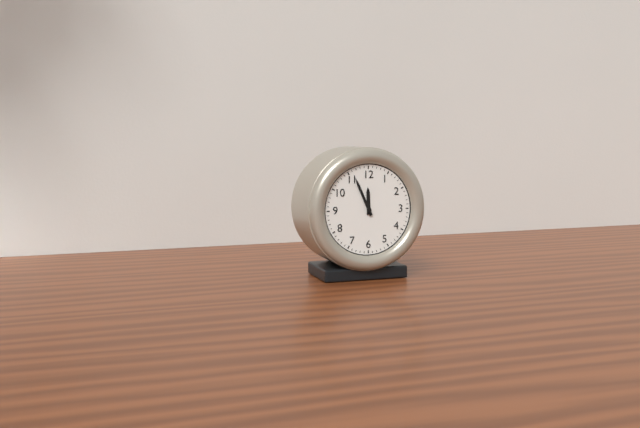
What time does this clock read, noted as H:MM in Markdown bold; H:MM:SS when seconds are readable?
**11:56**
